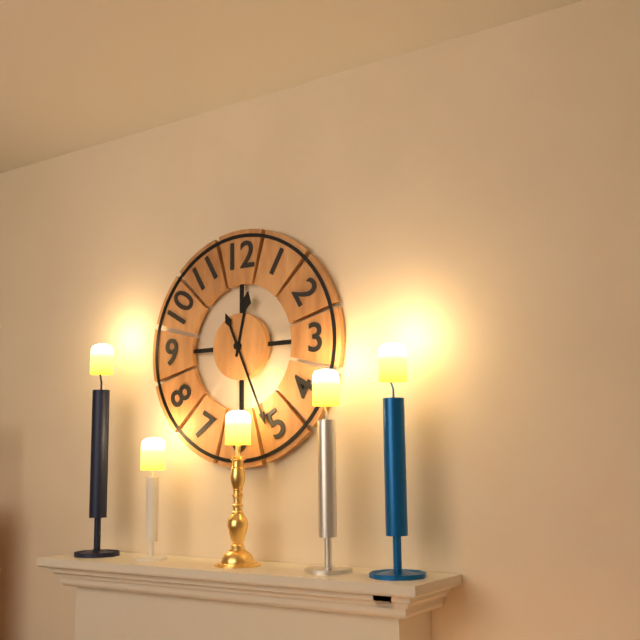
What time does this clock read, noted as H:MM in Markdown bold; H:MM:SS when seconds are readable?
**12:26**
